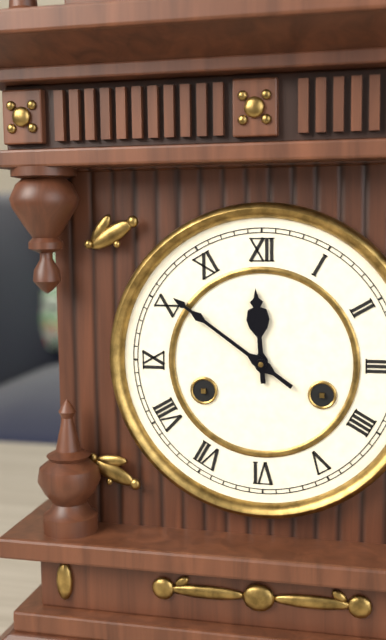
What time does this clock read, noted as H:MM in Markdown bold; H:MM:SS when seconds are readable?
**11:51**
